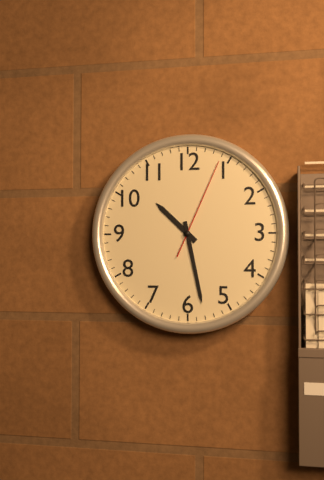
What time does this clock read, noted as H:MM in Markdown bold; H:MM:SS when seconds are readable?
**10:28:04**
